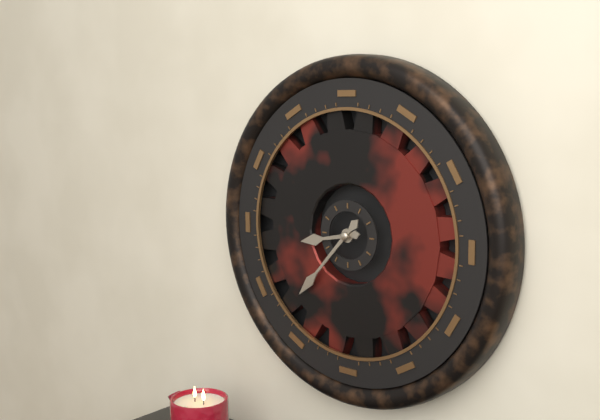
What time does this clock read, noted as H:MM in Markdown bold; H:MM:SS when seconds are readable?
**8:37**
